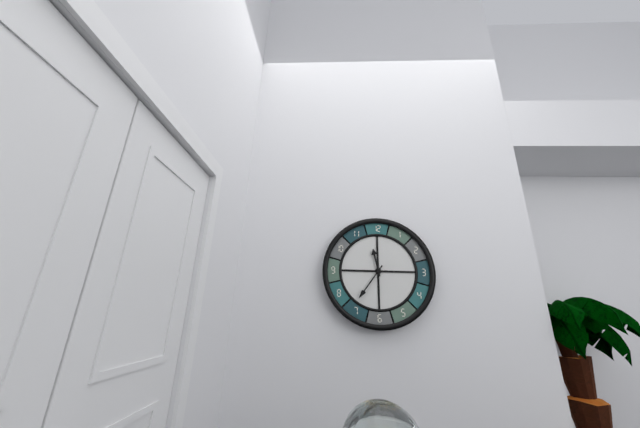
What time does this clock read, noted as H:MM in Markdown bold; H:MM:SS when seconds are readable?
**11:36**
